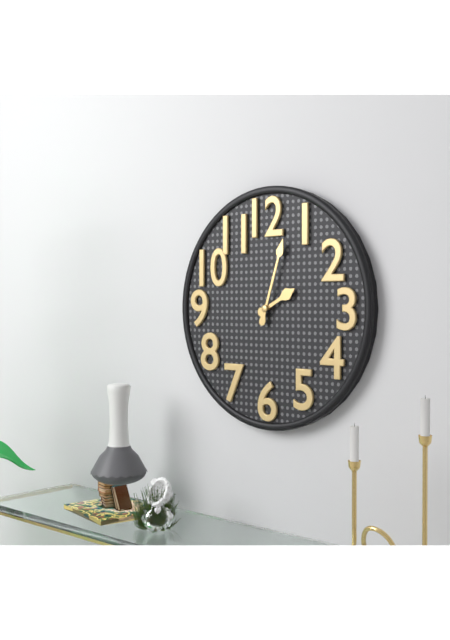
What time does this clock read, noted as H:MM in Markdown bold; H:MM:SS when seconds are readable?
**2:03**
